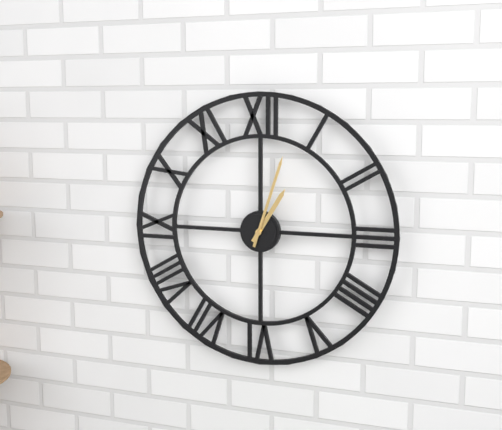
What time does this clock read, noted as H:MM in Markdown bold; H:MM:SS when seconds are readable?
**1:03**
